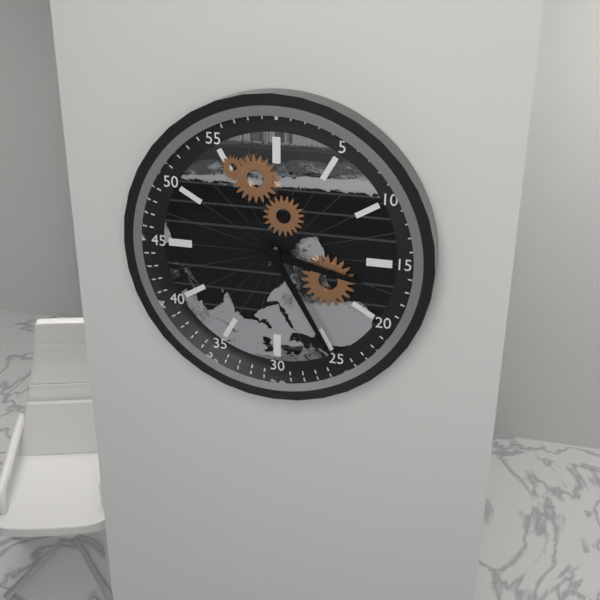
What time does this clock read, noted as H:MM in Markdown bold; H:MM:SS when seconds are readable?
**3:25**
